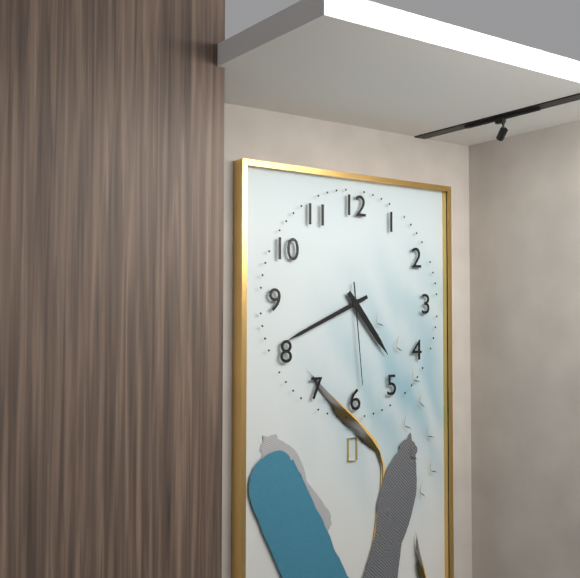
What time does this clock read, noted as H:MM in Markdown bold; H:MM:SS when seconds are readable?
**4:41:29**
